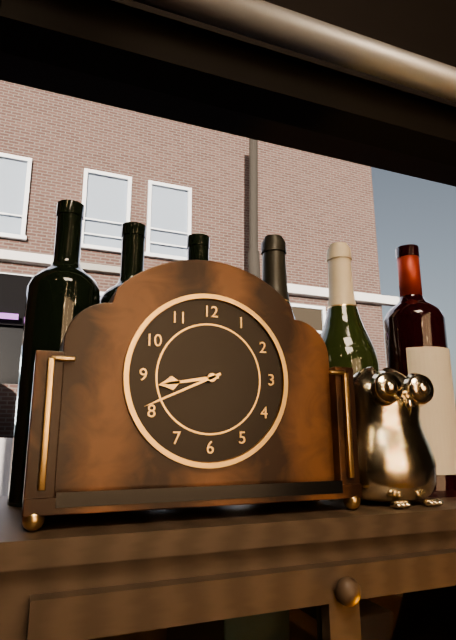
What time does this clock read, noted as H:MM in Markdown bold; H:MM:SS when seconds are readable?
**8:41**
